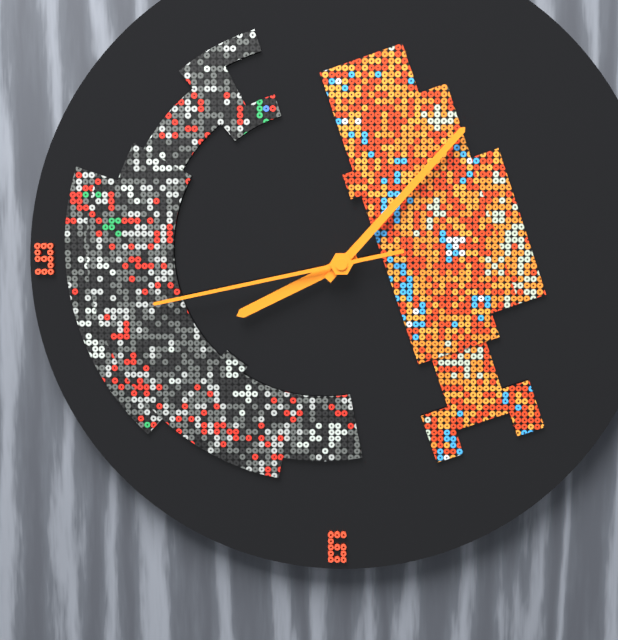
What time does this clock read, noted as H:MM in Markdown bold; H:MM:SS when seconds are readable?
**8:07:43**
